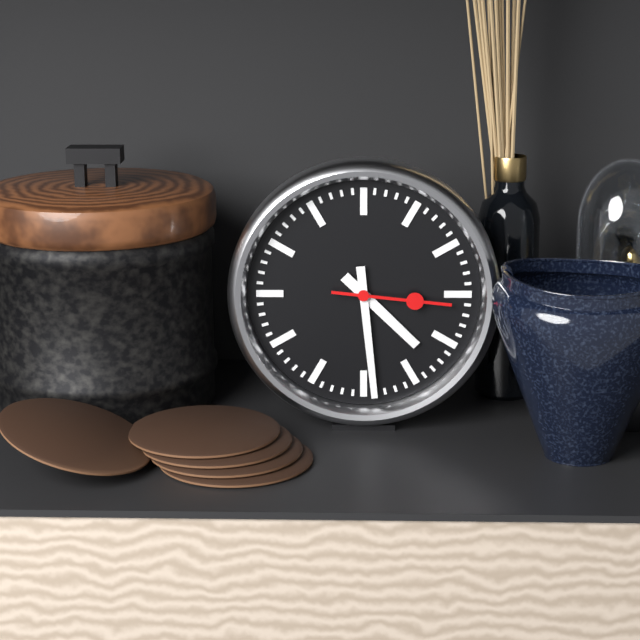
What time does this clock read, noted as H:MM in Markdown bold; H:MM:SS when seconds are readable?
**4:29:16**
